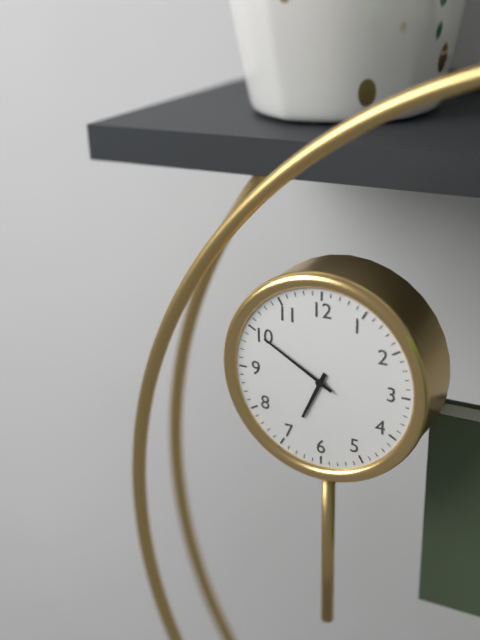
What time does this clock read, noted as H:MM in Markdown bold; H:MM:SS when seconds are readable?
**6:50**
